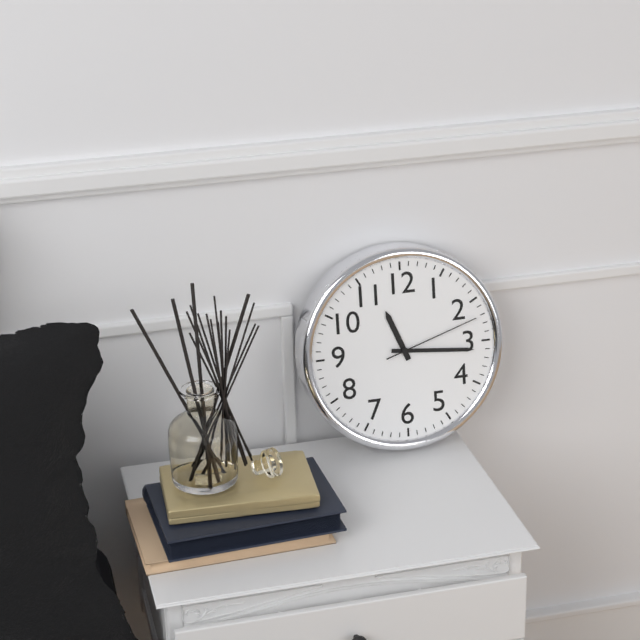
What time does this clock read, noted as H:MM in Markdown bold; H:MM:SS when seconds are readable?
**11:16:12**
